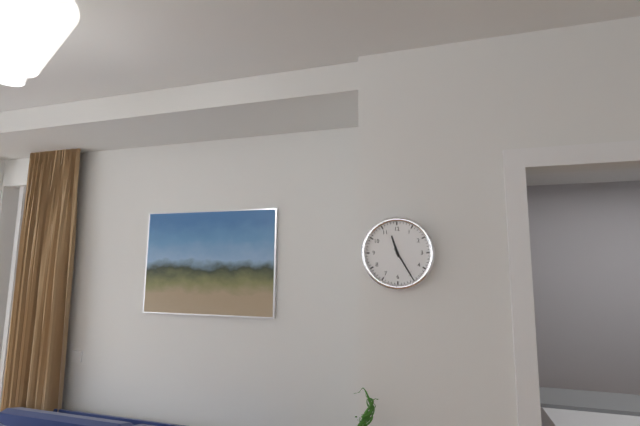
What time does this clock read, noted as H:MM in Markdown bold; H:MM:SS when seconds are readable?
**11:25**
